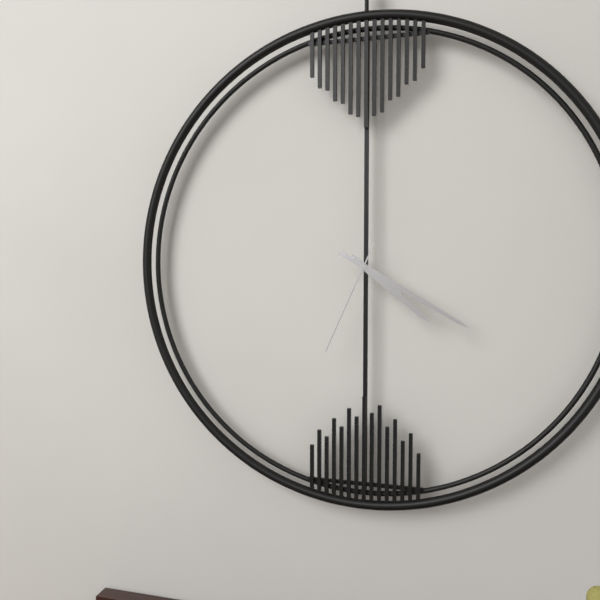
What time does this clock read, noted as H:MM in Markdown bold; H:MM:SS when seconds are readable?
**4:20:34**
